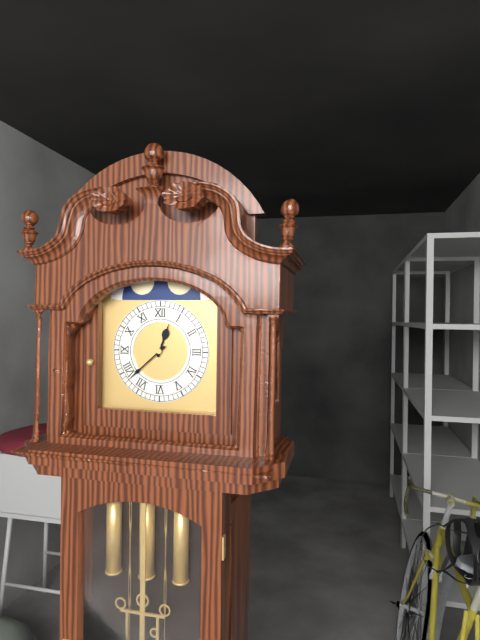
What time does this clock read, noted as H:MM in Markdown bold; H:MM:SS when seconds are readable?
**12:38**
